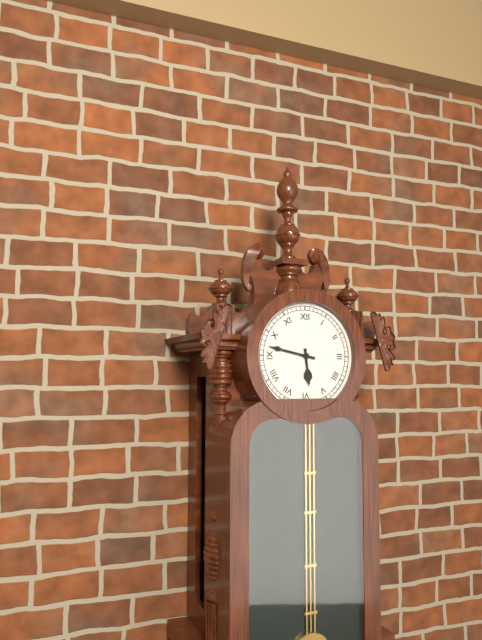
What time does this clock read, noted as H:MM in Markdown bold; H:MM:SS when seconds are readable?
**5:47**
